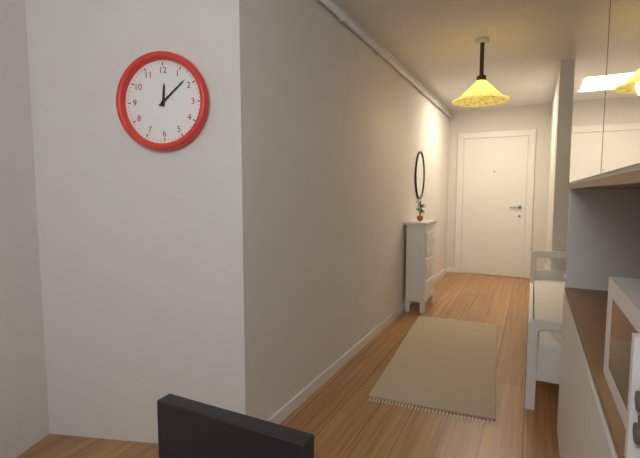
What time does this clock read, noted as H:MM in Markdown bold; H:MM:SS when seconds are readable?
**12:08**
